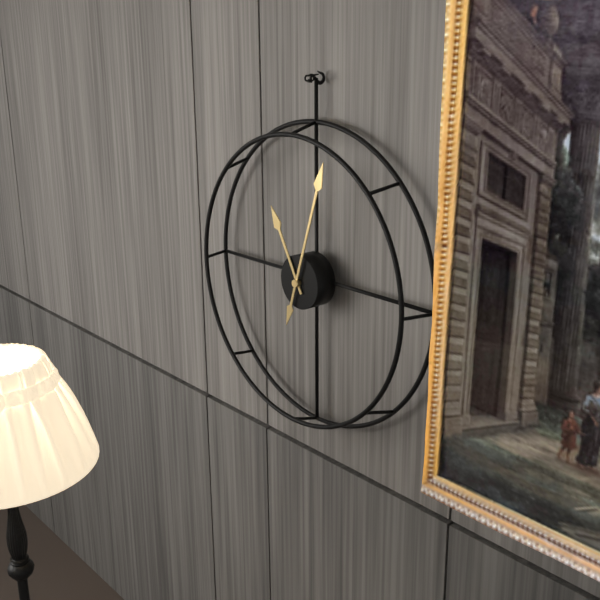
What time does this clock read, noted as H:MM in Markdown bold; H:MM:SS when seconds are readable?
**11:03**
